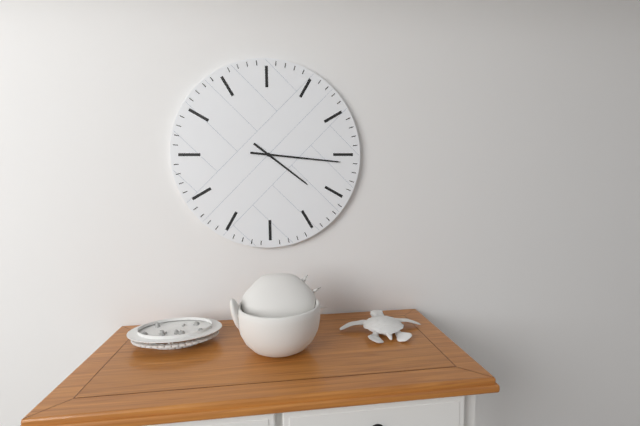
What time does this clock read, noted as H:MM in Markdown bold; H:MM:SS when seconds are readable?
**4:16**
